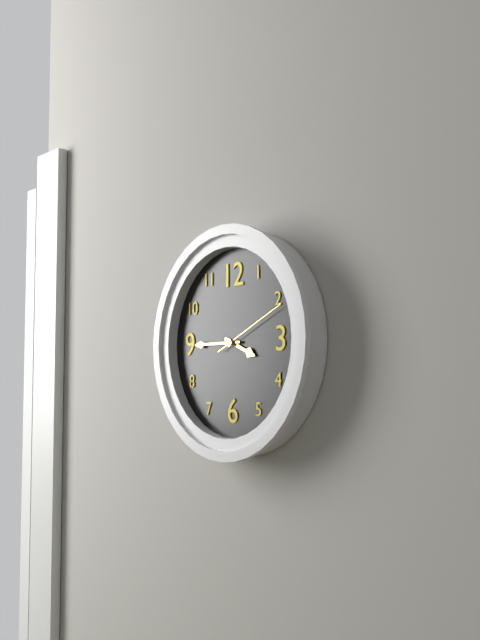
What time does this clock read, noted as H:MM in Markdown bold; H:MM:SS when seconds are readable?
**3:45:11**
